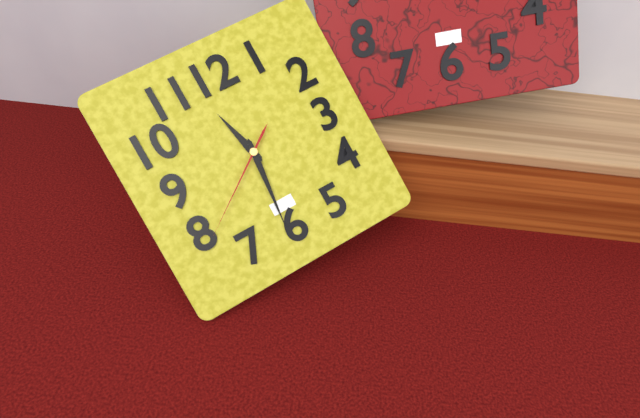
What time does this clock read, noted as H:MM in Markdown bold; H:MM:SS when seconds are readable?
**11:31:39**
